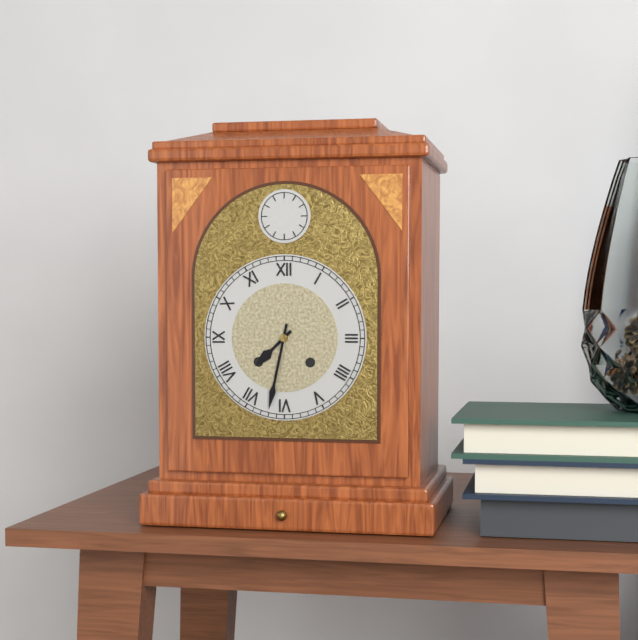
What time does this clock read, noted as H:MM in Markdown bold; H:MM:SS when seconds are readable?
**7:32**
